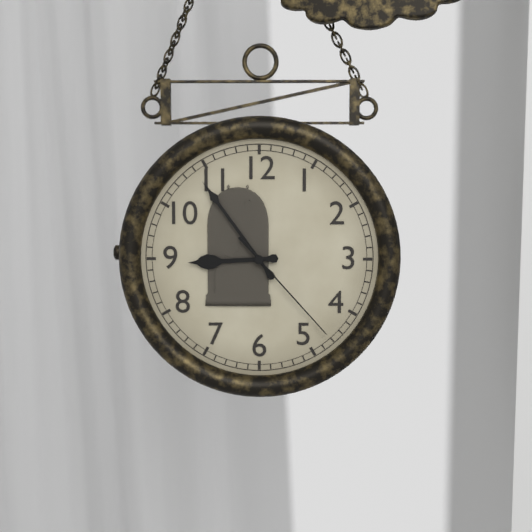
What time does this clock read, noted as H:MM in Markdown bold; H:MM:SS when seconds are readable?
**8:54:23**
